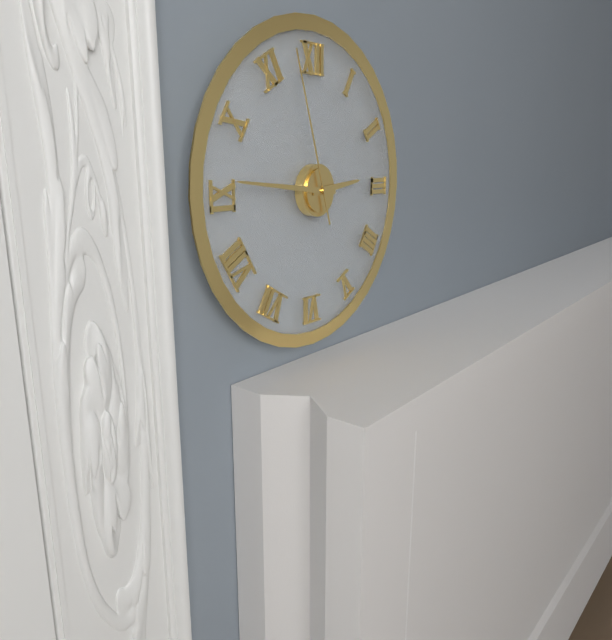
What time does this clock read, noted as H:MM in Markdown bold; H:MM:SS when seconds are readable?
**2:46:57**
